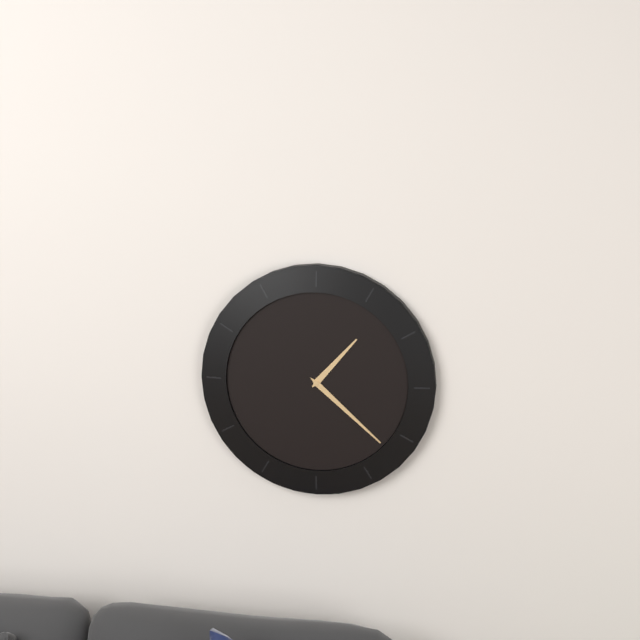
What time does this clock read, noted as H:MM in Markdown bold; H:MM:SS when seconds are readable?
**1:22**
